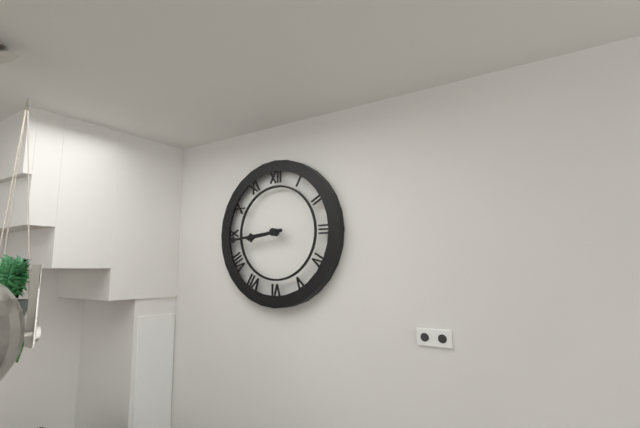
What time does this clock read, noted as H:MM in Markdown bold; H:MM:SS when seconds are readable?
**8:44**
